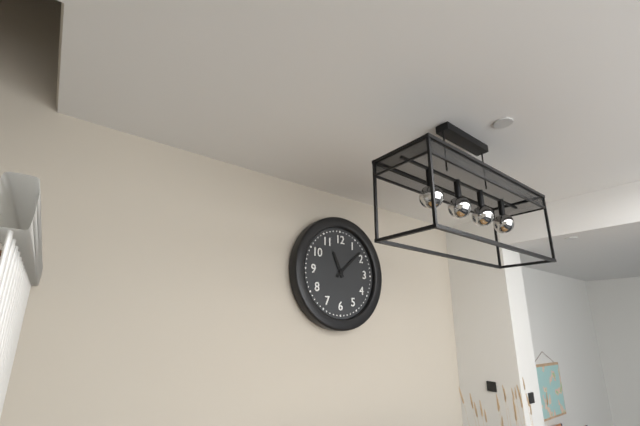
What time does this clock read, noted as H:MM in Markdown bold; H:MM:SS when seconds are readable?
**11:08**
